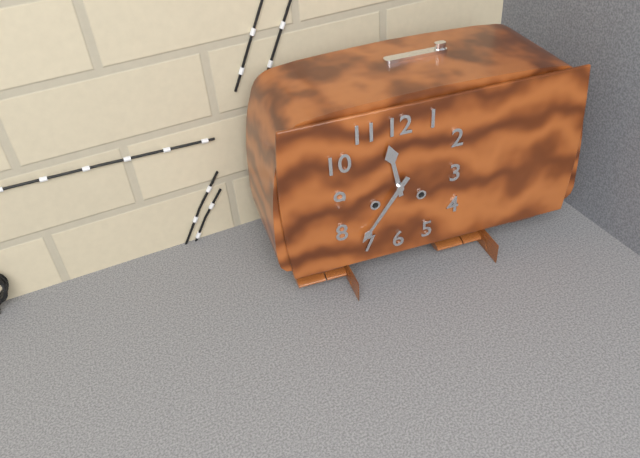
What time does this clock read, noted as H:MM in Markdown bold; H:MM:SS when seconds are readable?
**11:36**
